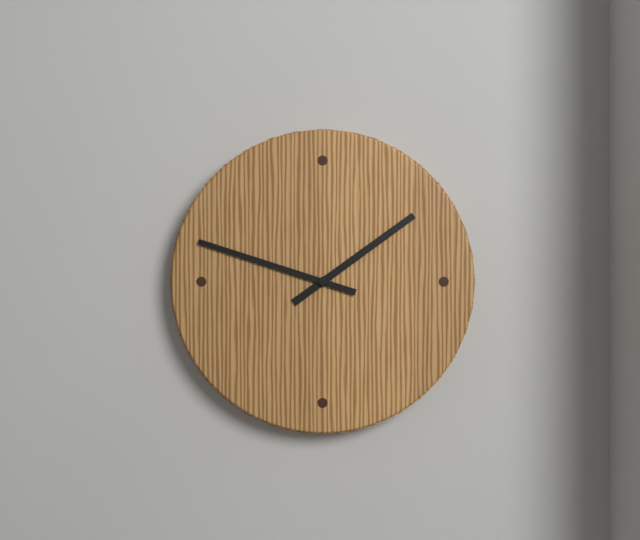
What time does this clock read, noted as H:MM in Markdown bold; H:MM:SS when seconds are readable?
**1:48**
